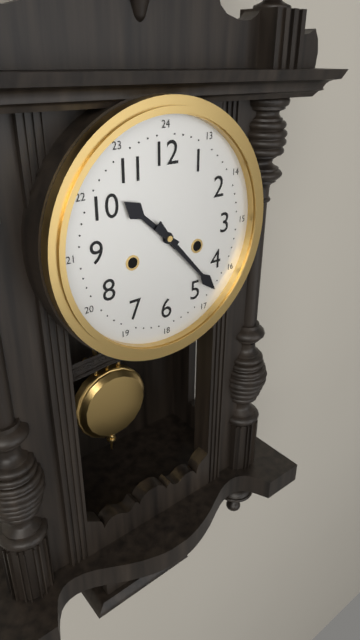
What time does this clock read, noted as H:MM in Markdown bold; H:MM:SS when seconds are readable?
**10:23**
